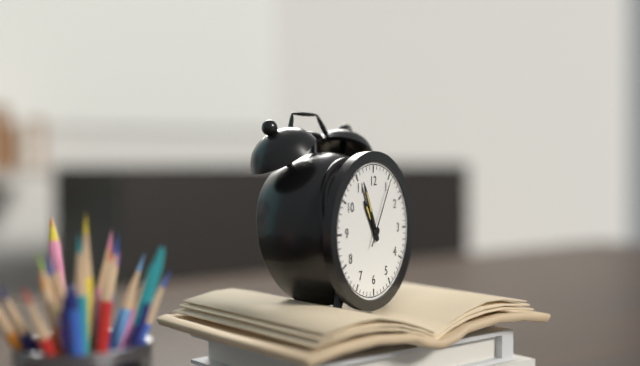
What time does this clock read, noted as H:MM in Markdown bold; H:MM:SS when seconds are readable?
**10:56:05**
